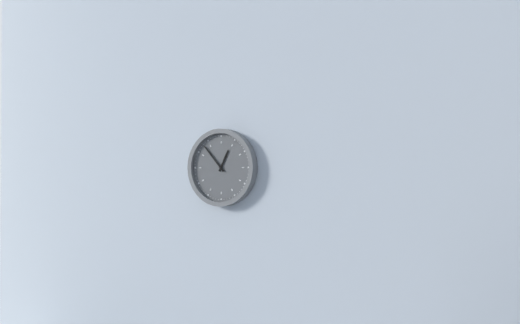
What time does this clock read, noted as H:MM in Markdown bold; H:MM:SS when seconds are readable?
**12:53**
